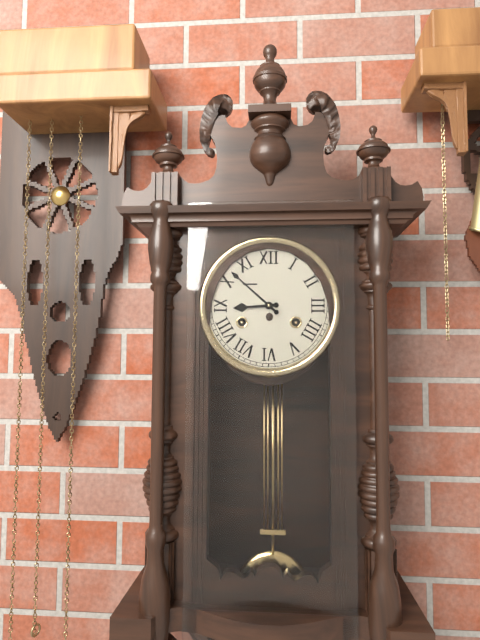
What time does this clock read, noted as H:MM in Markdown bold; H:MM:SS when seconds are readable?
**8:52**
